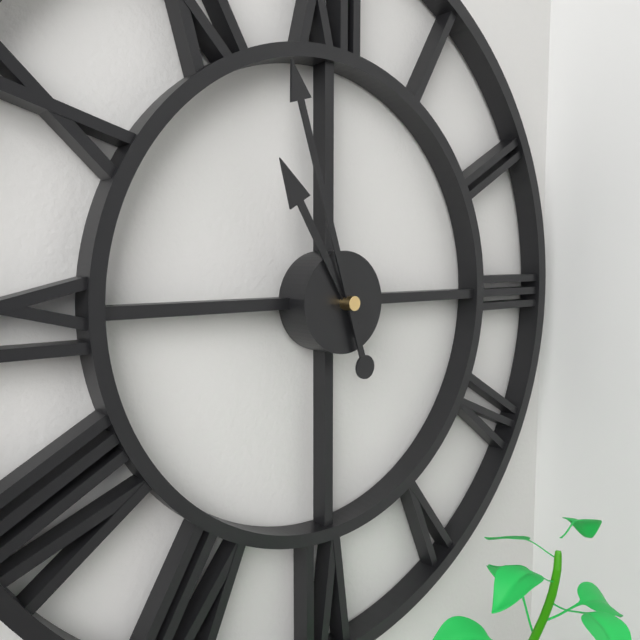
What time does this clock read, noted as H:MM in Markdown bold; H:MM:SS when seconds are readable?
**10:57**
